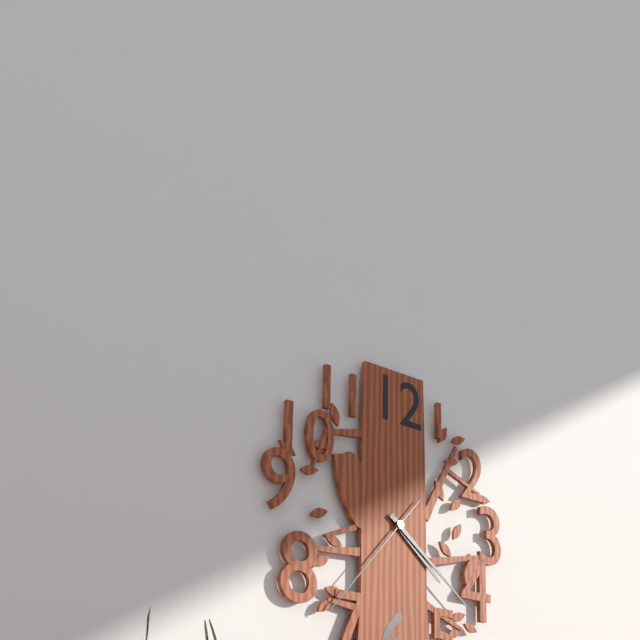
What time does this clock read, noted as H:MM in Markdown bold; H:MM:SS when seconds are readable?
**4:21:37**
